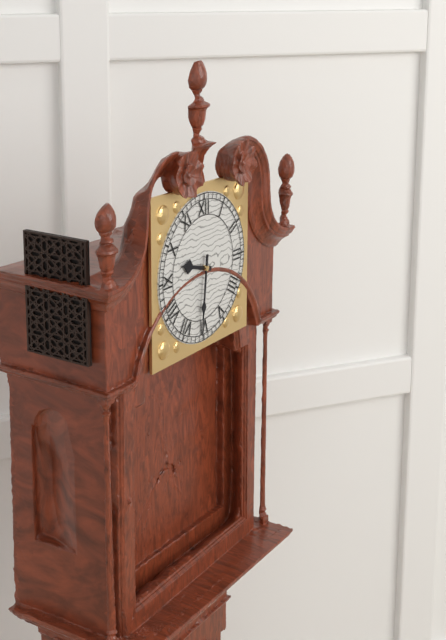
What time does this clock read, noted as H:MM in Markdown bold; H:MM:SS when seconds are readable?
**9:31**
